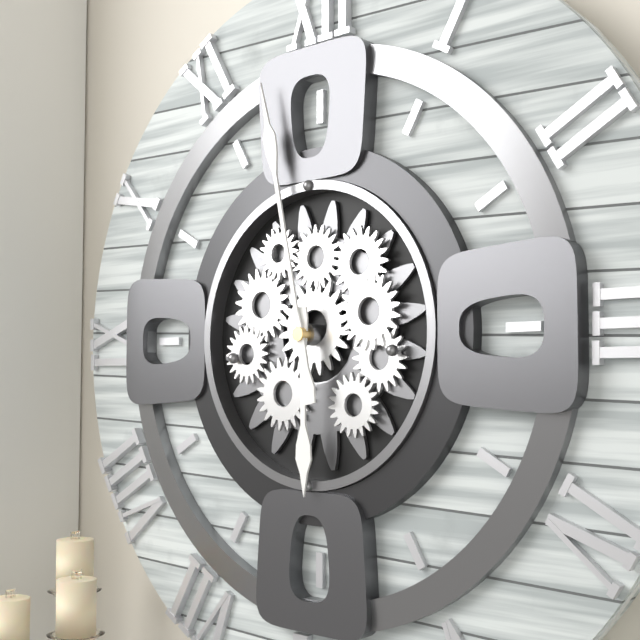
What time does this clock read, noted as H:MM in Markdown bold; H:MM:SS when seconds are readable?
**5:58**
